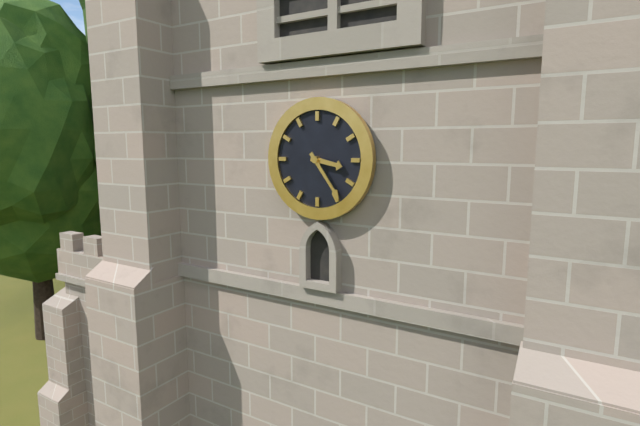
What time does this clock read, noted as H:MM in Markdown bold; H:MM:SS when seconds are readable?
**3:24**
